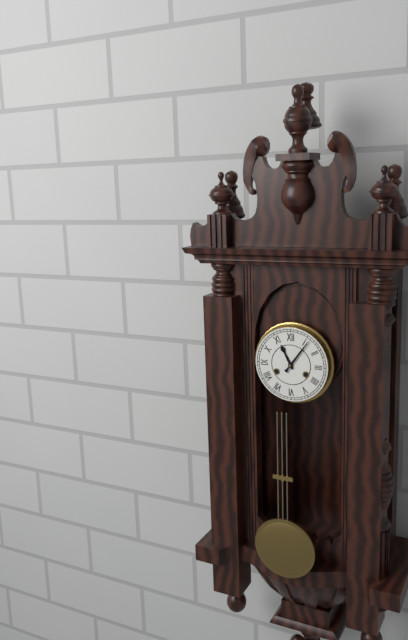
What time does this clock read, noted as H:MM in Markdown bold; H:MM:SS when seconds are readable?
**11:06**
